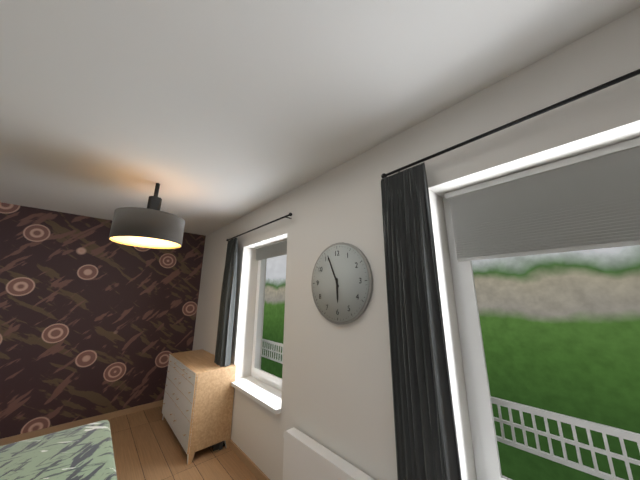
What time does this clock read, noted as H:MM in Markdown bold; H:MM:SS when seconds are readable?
**5:56**
